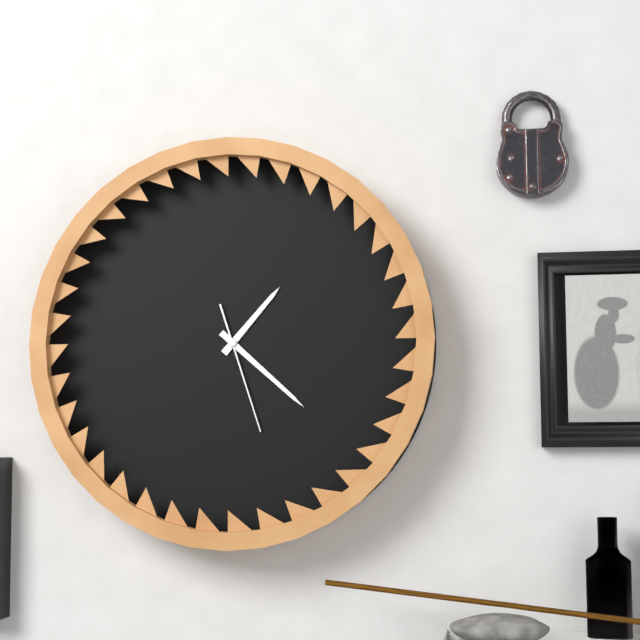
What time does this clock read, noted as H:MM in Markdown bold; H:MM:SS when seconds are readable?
**1:22:27**
